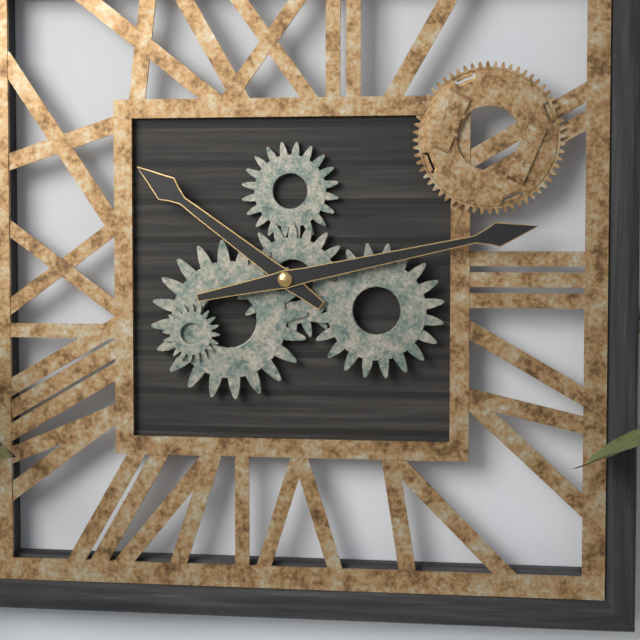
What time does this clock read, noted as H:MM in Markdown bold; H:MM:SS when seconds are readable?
**10:13**
